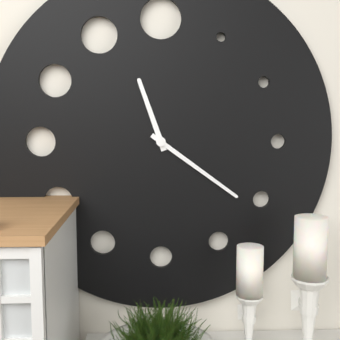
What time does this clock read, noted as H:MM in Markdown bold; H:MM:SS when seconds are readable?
**11:21**
